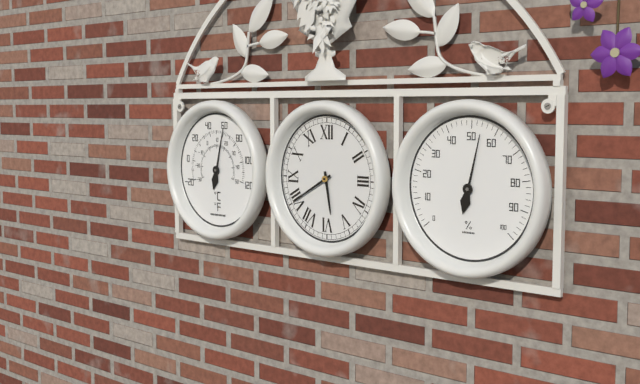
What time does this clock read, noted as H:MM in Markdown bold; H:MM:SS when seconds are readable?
**5:40**
